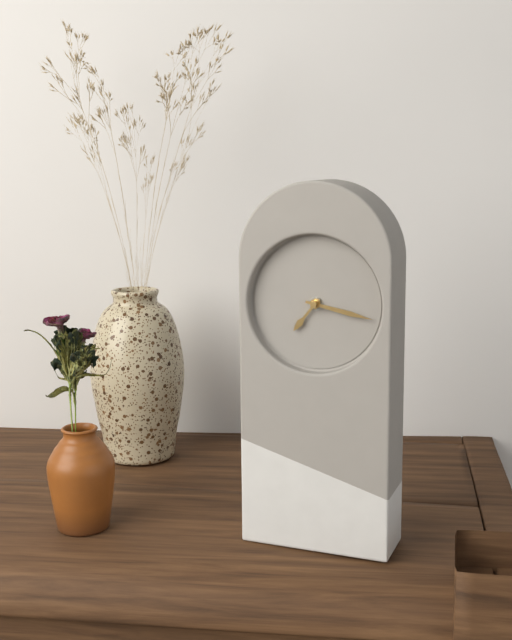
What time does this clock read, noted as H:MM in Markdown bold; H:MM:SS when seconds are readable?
**7:17**
